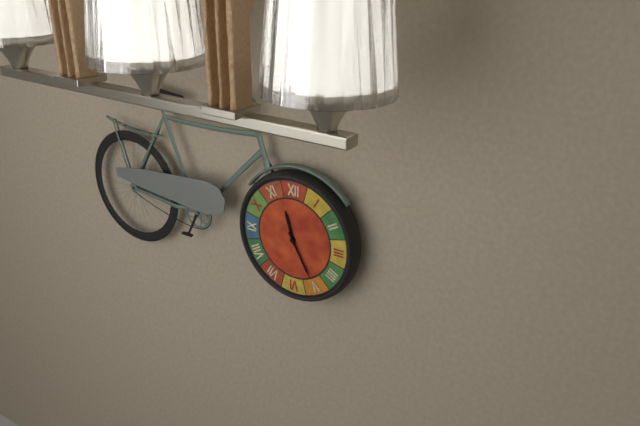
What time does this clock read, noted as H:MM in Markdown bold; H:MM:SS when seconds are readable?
**11:25**
